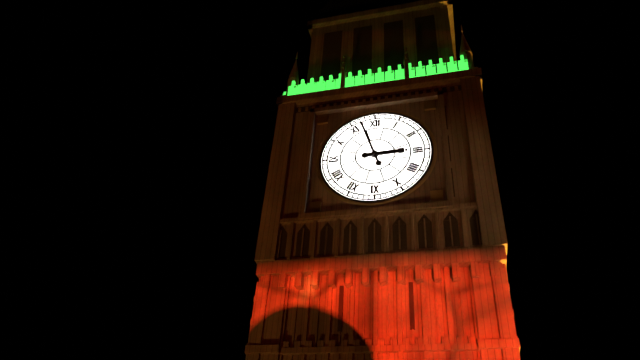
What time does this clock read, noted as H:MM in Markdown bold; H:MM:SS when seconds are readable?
**2:57**
